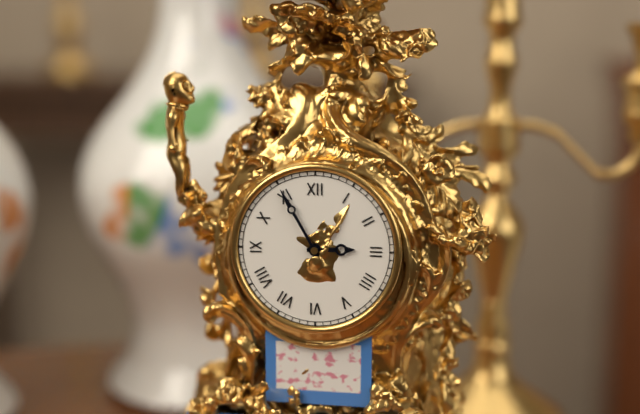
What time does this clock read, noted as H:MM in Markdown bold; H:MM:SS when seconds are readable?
**2:55**
